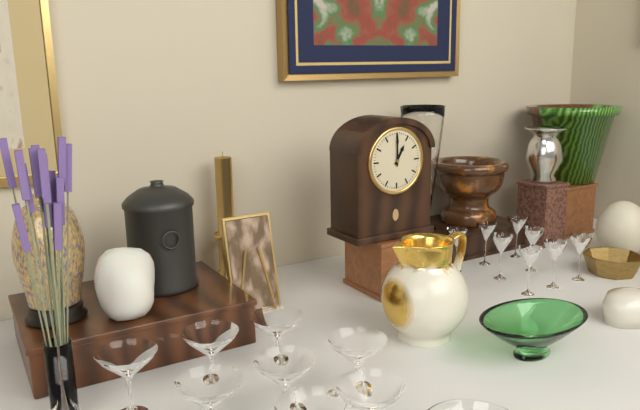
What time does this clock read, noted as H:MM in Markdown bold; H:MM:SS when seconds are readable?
**1:00**
